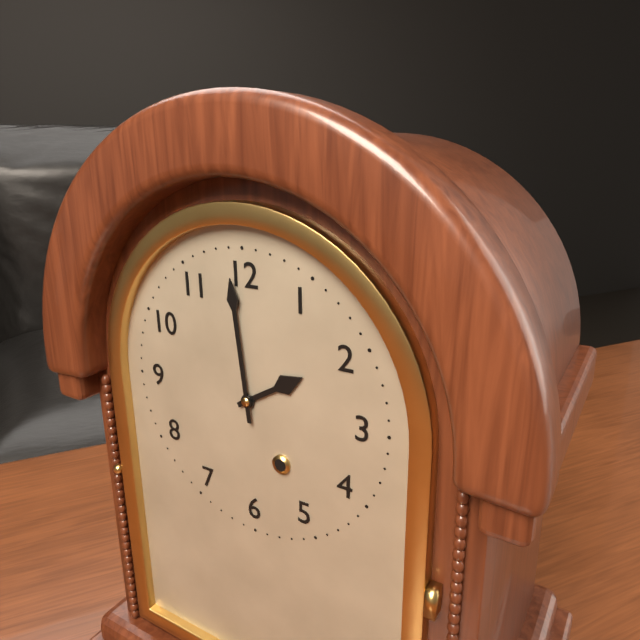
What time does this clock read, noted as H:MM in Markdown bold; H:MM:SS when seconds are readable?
**1:59**
